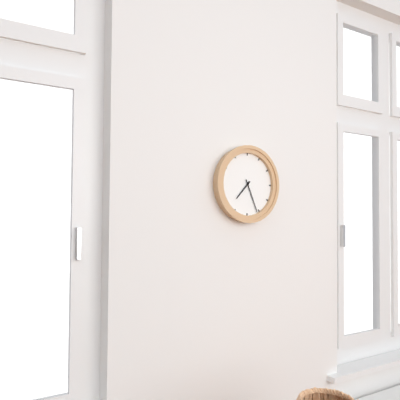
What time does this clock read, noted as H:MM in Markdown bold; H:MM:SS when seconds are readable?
**7:26**
